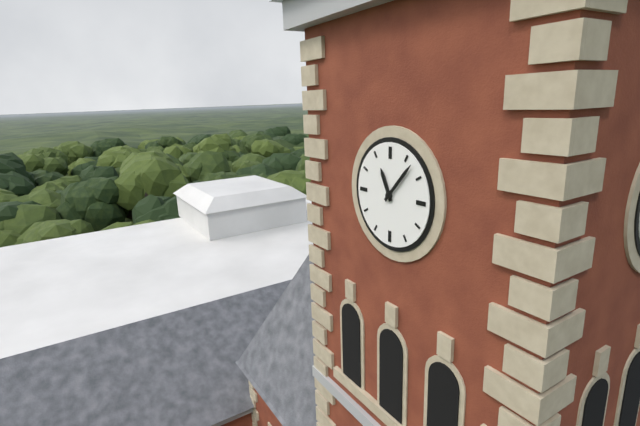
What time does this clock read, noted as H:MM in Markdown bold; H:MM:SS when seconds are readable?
**11:07**
